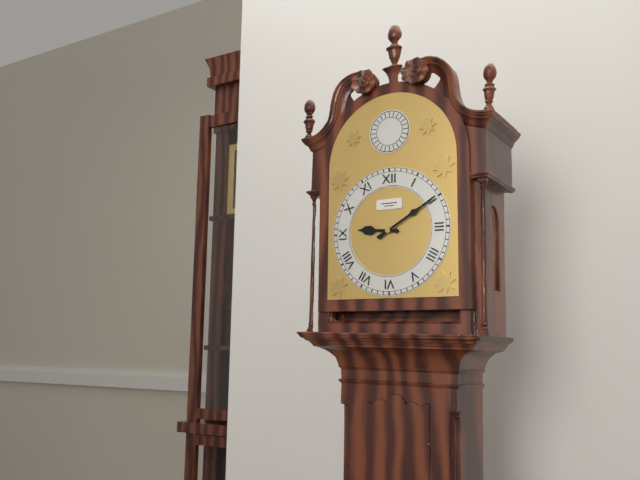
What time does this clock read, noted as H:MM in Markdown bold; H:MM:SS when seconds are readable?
**9:10**
